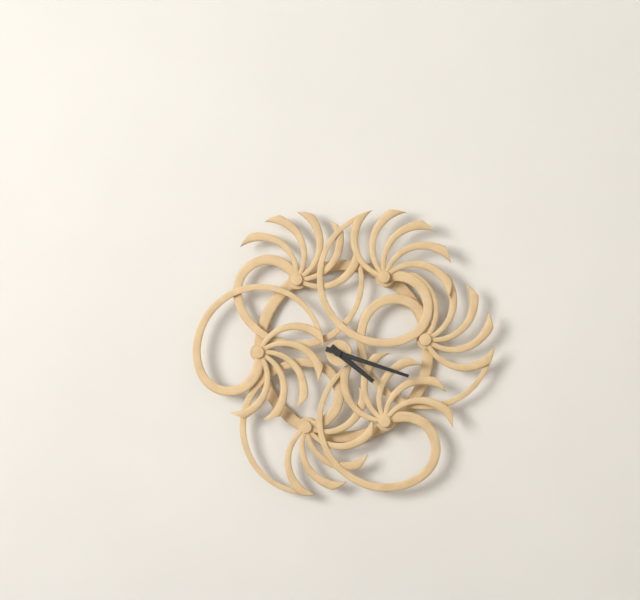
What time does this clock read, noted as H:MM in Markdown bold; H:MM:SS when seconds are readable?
**4:18**
